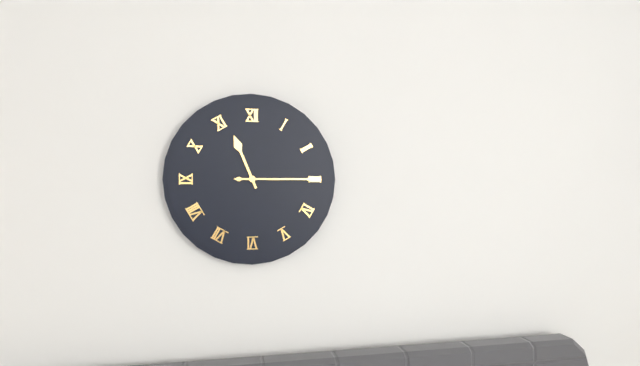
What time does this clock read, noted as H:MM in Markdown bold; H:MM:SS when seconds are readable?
**11:15**
